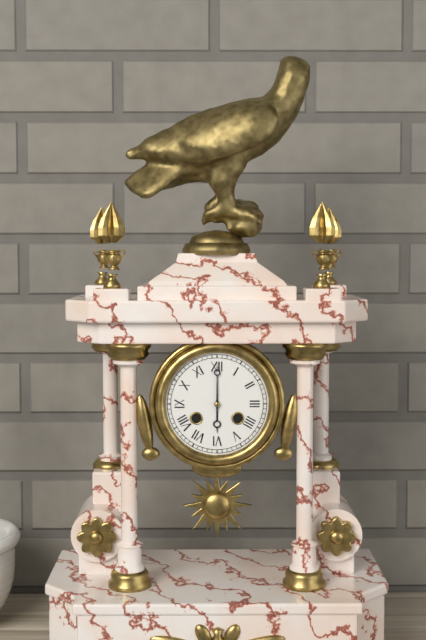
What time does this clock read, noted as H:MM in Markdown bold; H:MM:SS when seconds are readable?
**6:00**
